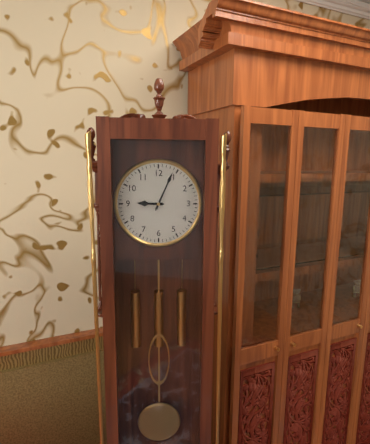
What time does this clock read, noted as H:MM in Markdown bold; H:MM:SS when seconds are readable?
**9:04**
